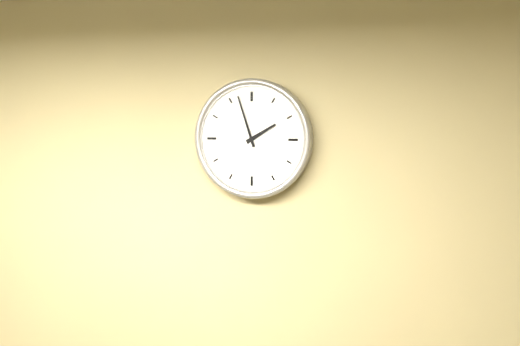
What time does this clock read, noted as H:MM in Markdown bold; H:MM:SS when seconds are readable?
**1:57**
